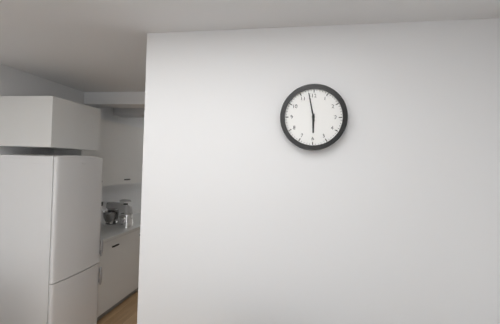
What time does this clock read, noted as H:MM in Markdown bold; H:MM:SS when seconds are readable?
**5:58**
